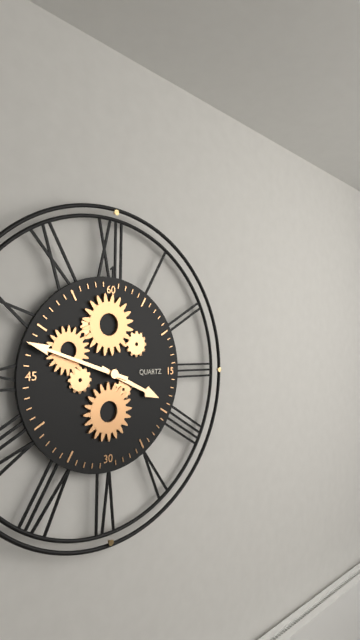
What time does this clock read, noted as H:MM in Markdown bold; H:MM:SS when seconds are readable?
**3:48**
